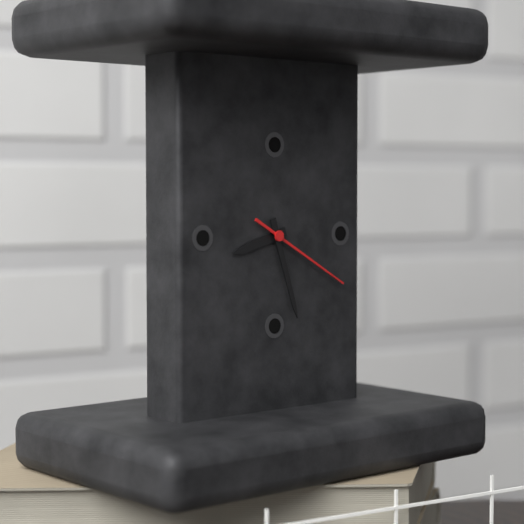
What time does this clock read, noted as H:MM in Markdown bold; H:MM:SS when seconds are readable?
**8:27:20**
